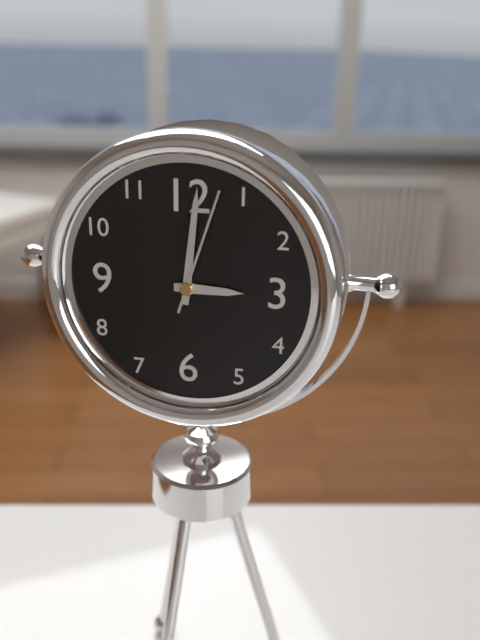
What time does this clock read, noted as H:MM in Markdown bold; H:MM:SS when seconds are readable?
**3:01:03**
